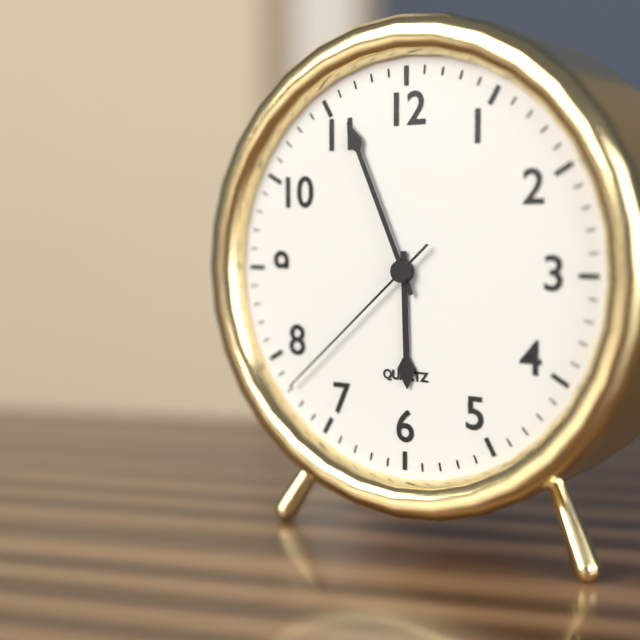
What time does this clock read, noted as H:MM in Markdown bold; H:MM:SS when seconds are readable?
**5:56:38**
